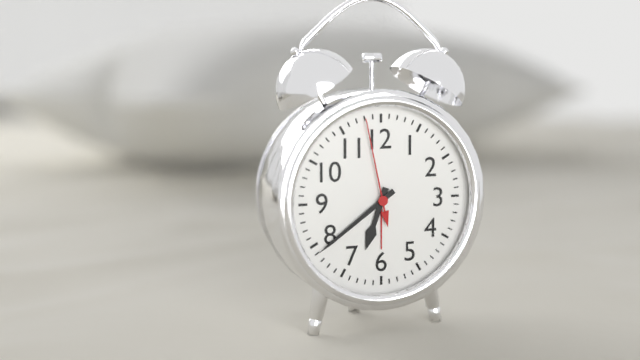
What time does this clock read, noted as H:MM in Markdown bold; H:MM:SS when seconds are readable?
**6:39:58**
